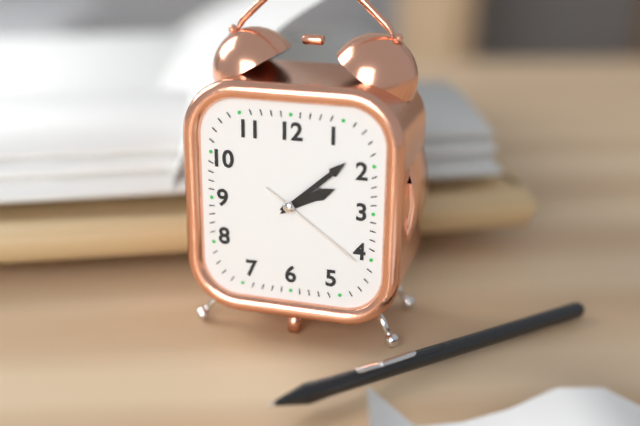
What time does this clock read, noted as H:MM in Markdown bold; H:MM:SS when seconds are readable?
**2:08:21**
